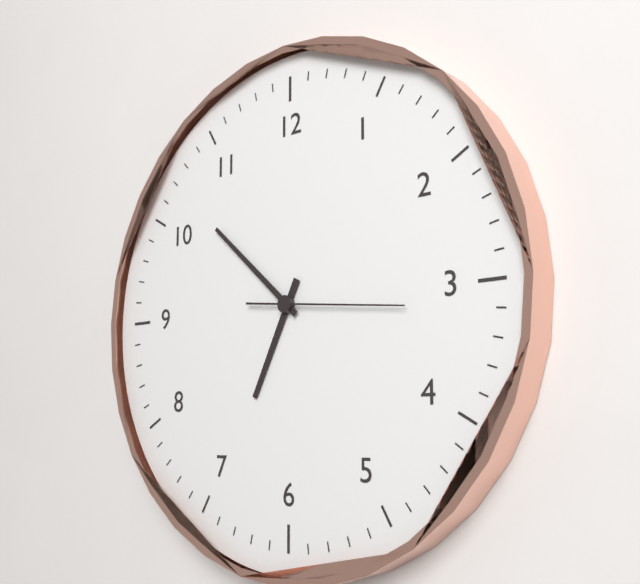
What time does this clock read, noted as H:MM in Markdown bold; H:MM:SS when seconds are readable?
**6:52:16**
